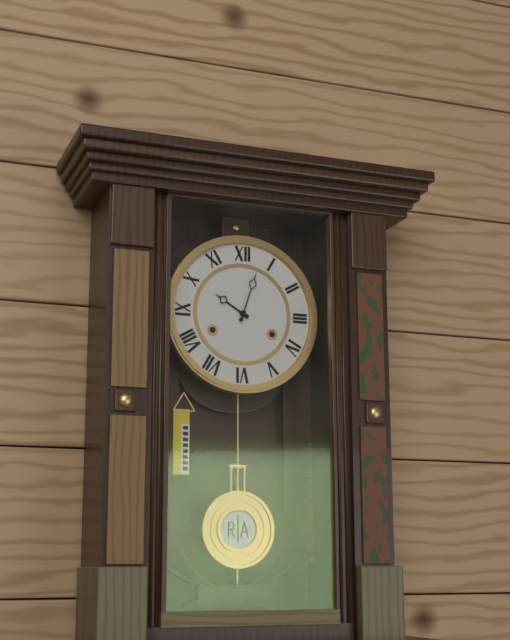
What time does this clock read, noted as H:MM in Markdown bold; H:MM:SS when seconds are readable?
**10:03**
